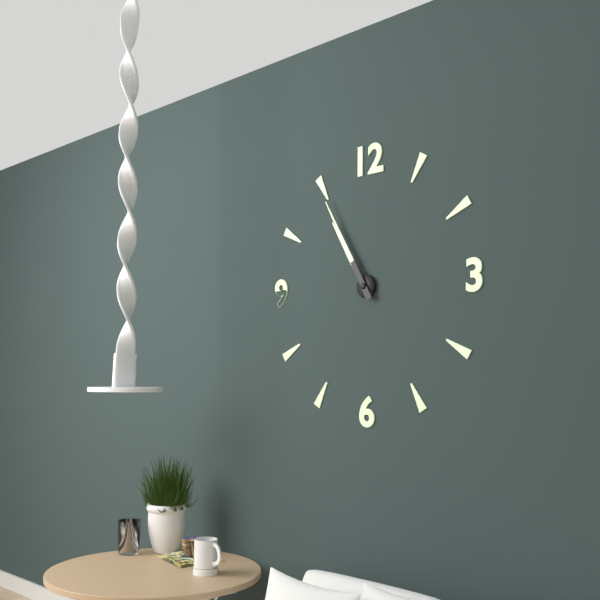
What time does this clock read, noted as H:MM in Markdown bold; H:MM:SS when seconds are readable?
**10:55**
